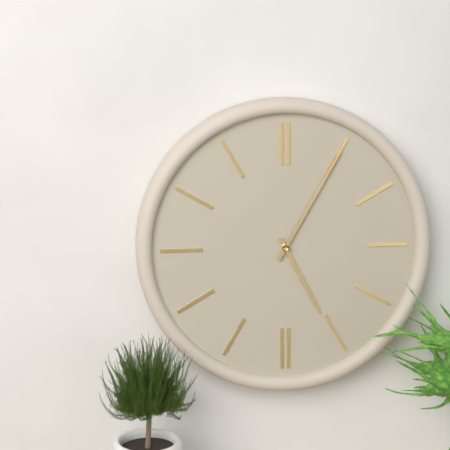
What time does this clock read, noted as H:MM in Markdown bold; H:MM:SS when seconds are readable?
**5:05**
